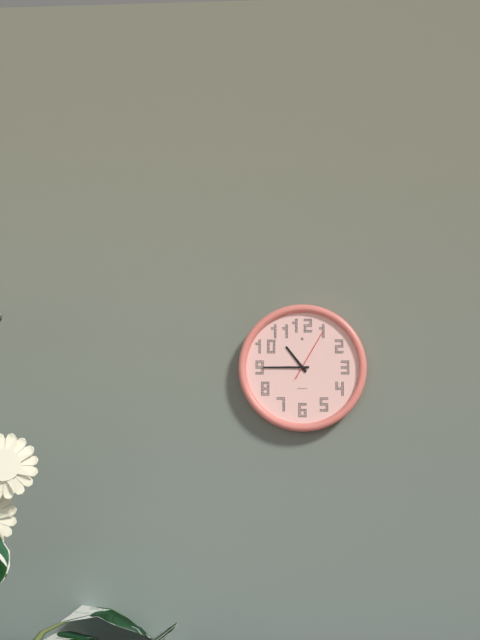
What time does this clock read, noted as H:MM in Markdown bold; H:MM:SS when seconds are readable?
**10:45:05**
